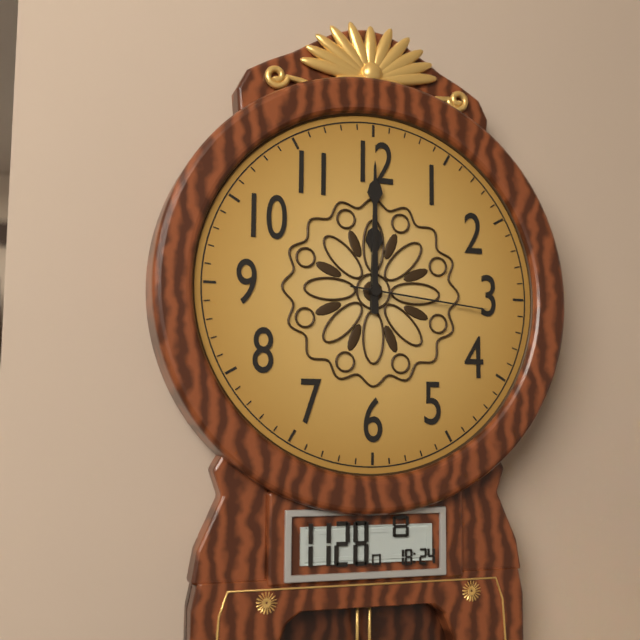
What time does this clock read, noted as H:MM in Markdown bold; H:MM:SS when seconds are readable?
**12:00:16**
